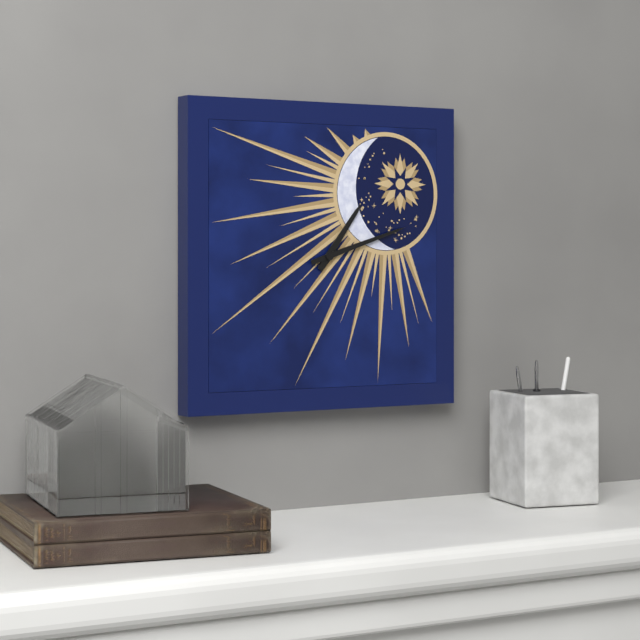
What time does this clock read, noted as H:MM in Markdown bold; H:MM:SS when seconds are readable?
**1:12**
